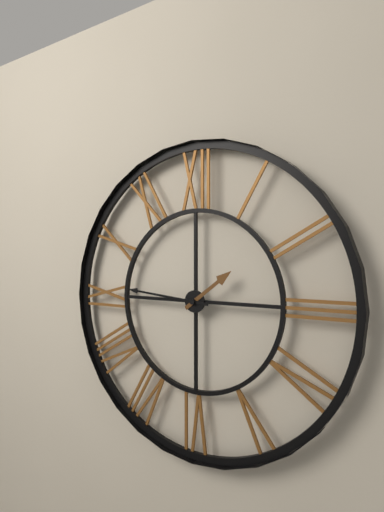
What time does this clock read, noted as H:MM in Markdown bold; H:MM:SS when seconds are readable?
**1:46**
